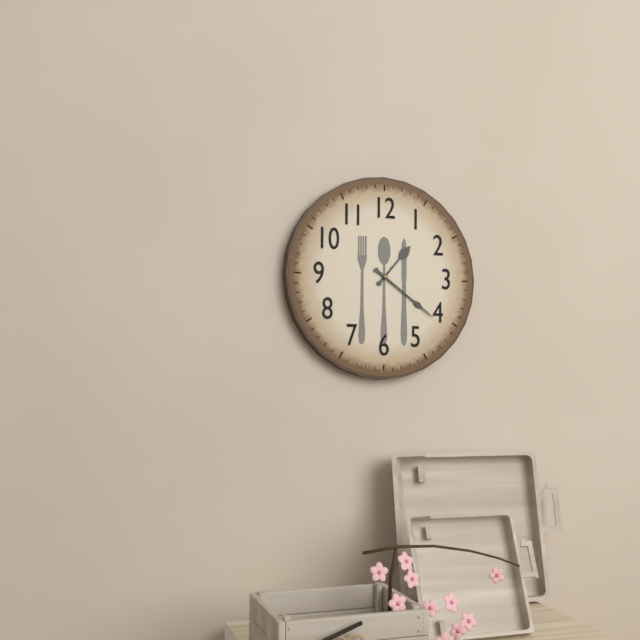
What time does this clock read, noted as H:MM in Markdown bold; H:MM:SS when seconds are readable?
**1:21**
